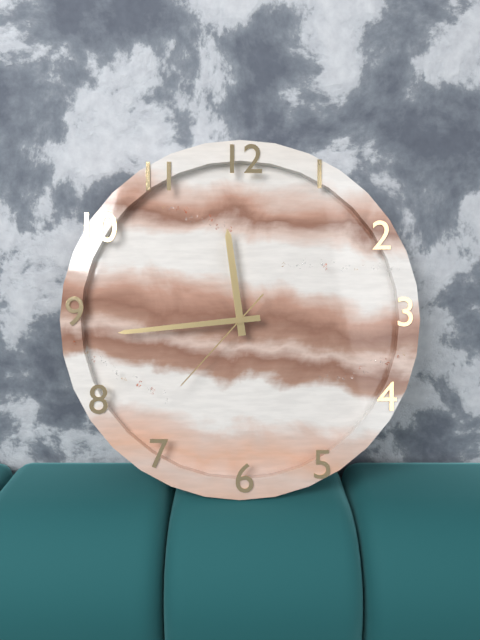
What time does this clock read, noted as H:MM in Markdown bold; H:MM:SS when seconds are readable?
**11:44:37**
